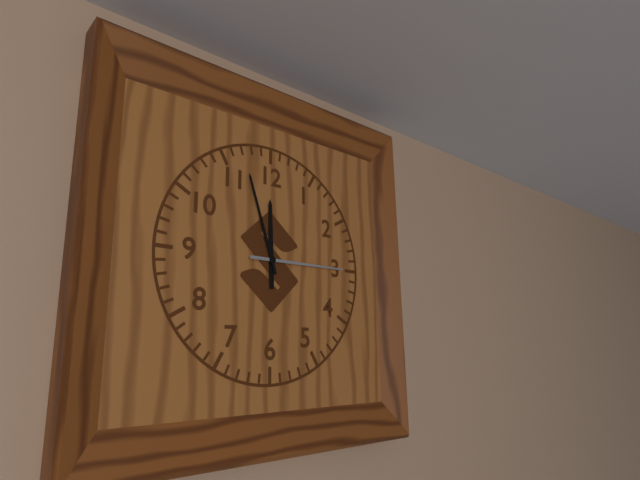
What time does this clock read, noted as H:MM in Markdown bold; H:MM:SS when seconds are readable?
**11:57:15**
